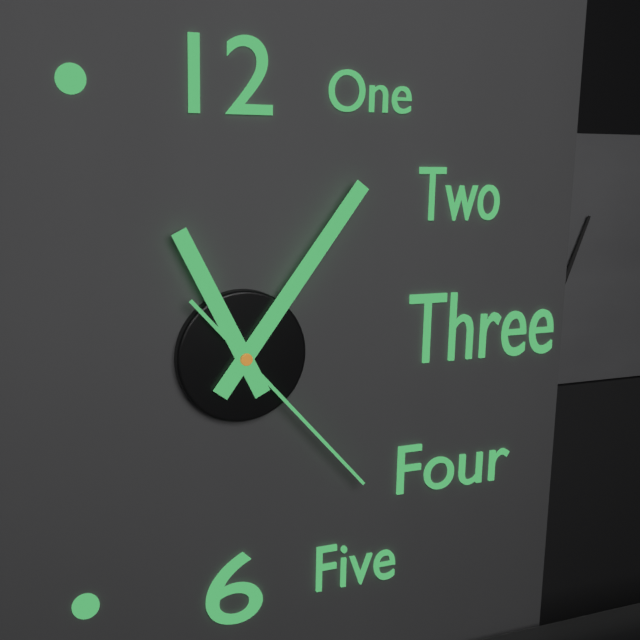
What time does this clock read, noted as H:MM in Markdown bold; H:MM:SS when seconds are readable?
**11:06:23**
